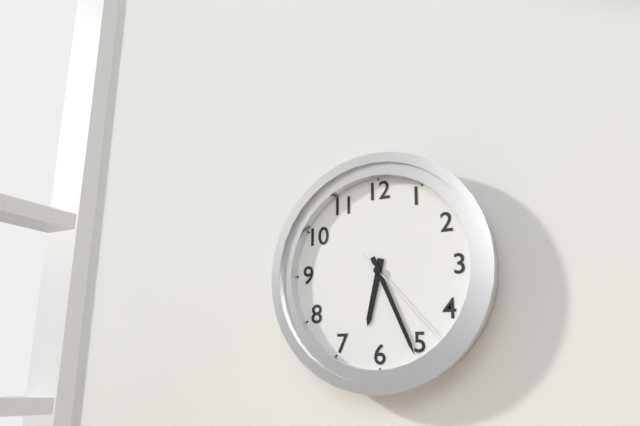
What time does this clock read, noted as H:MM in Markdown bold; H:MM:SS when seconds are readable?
**6:26:23**
